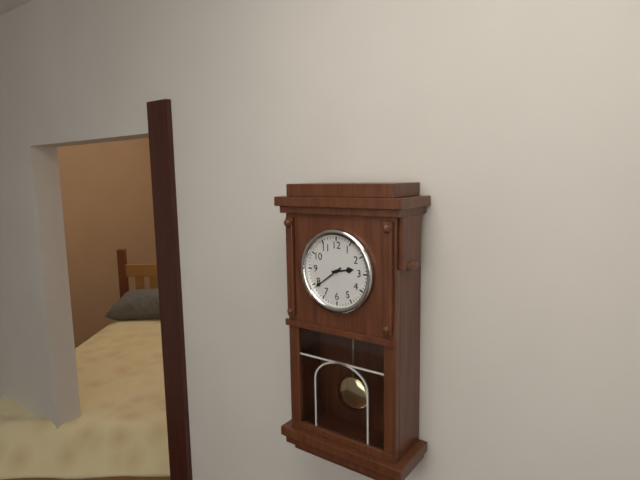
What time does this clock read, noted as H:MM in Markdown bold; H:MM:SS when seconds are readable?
**2:39**
